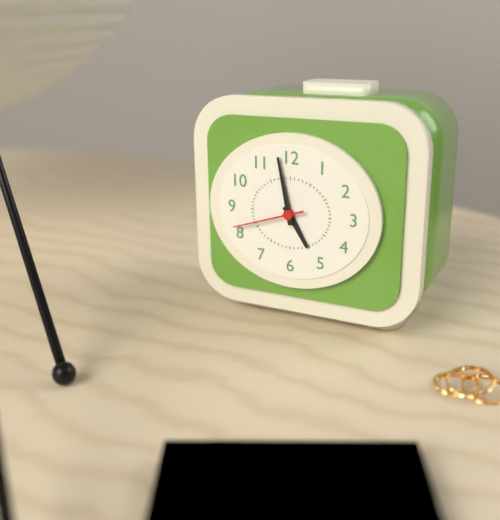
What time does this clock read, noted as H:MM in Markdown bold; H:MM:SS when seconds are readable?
**4:58:42**
